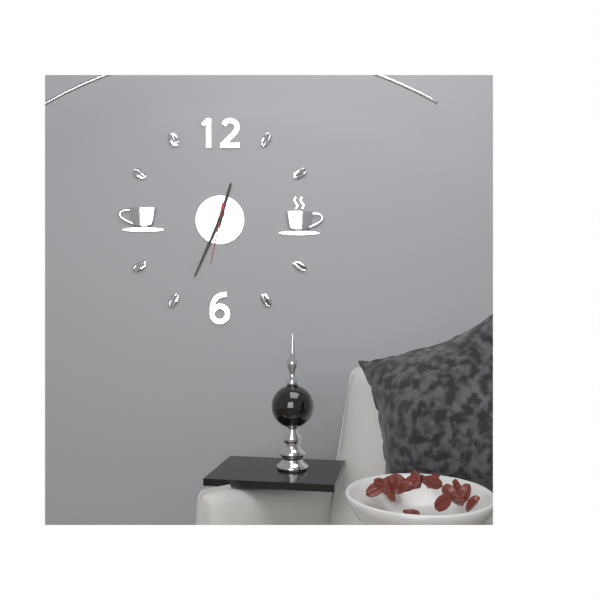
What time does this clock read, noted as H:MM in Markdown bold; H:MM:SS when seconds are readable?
**12:34:32**
